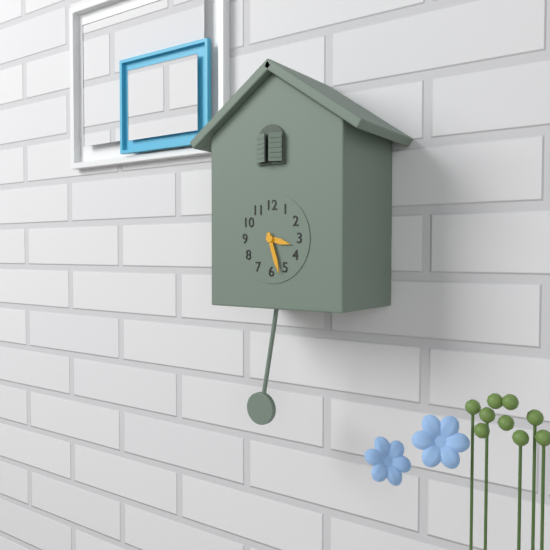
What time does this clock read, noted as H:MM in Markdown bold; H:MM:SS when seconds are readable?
**3:27**
